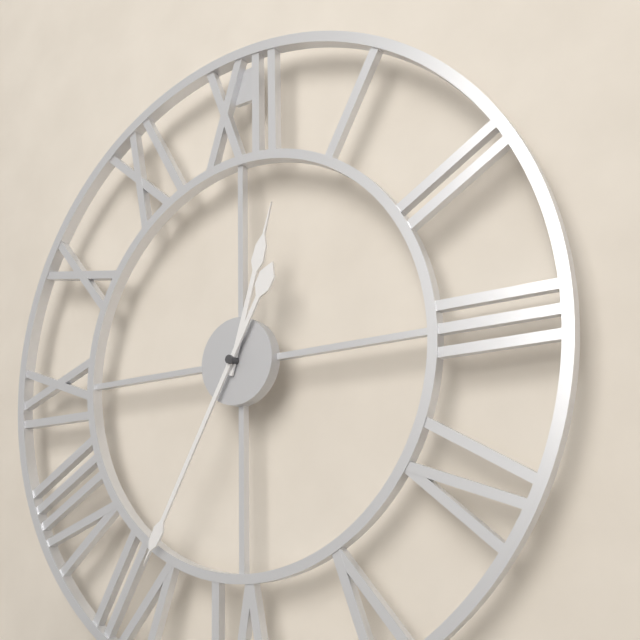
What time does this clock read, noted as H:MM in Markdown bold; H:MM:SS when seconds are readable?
**12:35**
